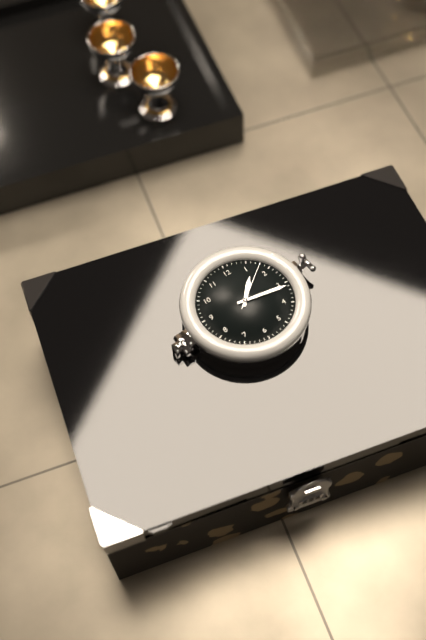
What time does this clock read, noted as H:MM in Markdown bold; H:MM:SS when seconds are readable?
**1:16:08**
